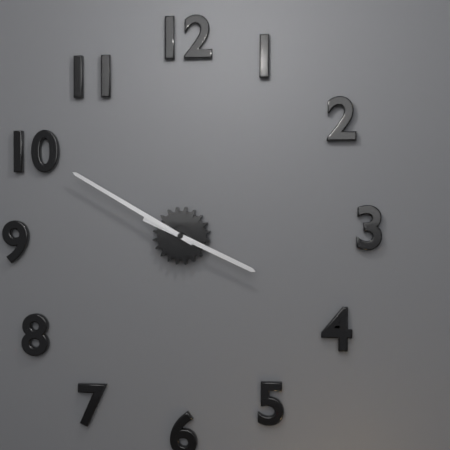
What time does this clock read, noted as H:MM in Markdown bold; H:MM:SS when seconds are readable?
**3:50**
